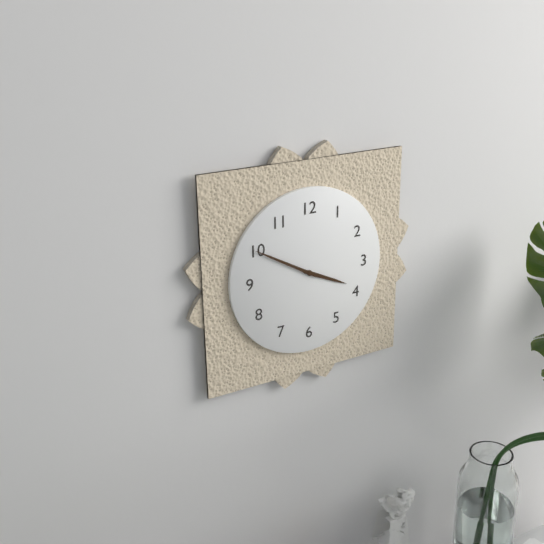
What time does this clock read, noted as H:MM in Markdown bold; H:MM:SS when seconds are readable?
**3:50**
